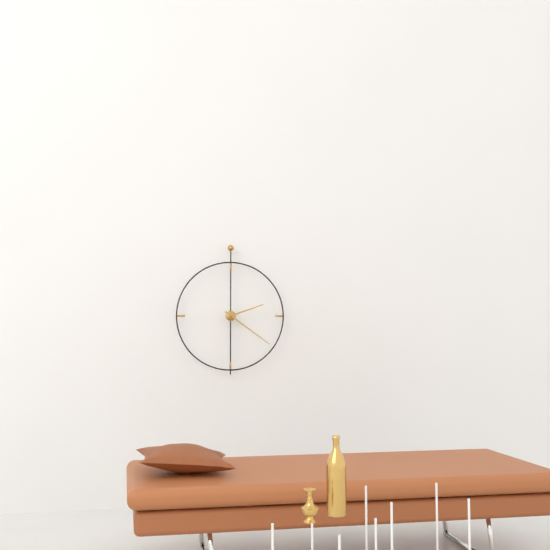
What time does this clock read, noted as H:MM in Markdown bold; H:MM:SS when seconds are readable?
**2:21**
